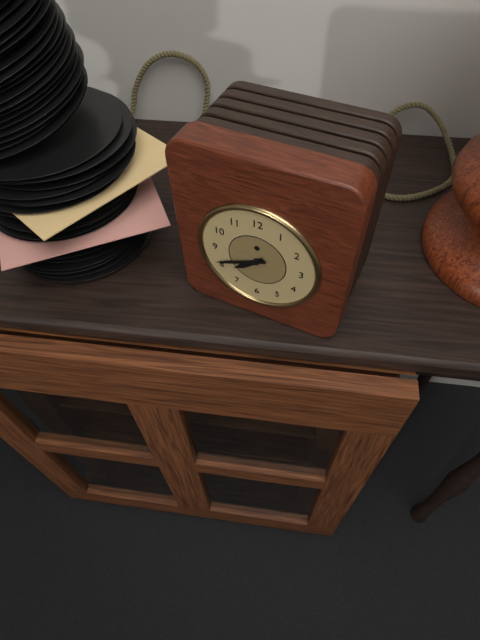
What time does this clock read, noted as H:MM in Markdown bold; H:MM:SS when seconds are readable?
**7:41**
